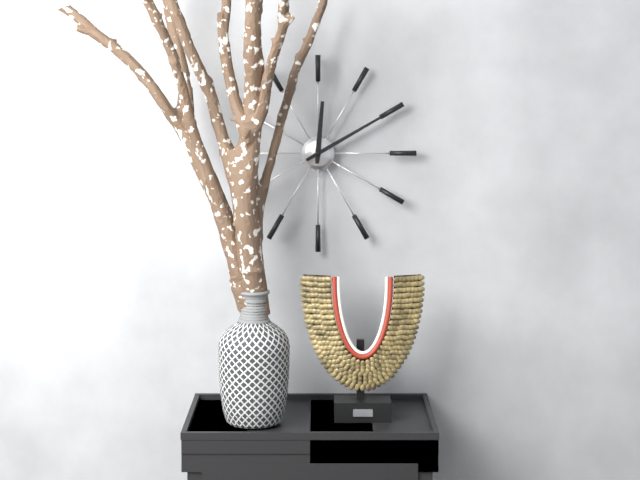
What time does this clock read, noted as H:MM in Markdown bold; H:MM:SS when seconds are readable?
**12:10**
